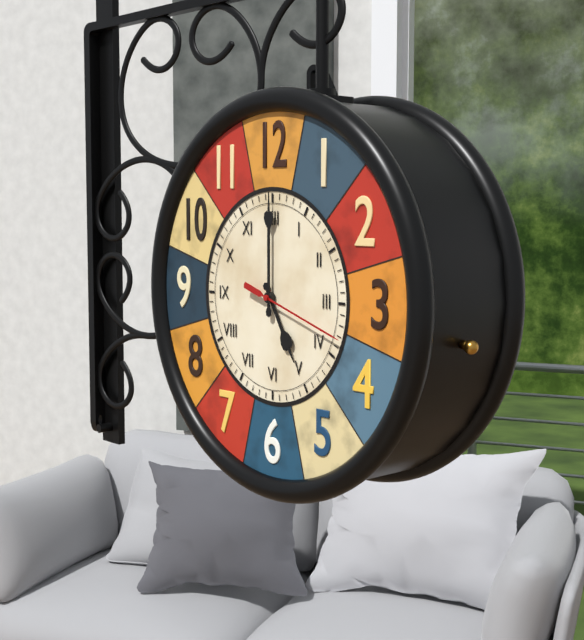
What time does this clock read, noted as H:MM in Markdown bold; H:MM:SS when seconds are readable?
**5:00:18**
